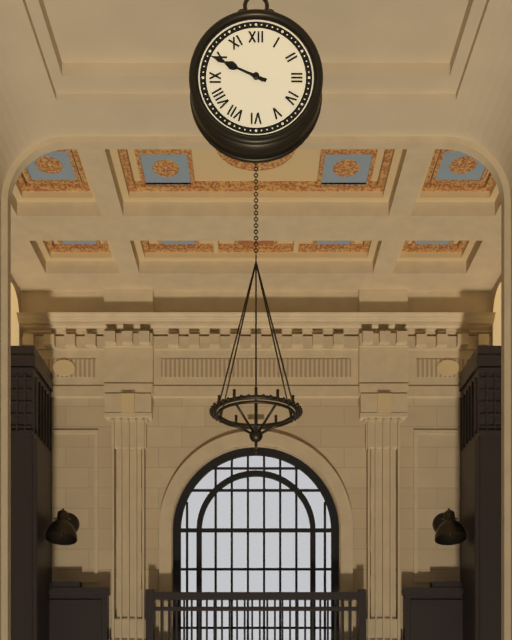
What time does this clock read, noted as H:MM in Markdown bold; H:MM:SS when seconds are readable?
**9:49**
